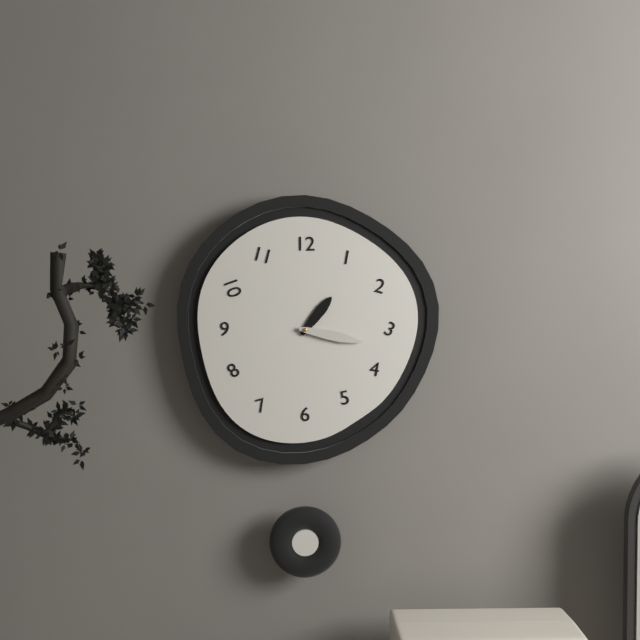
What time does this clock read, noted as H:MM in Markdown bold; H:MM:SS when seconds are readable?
**1:17**
